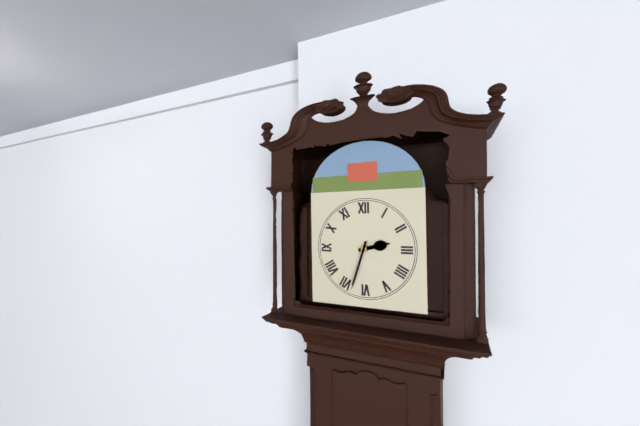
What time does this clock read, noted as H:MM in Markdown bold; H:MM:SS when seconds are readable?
**2:33**
